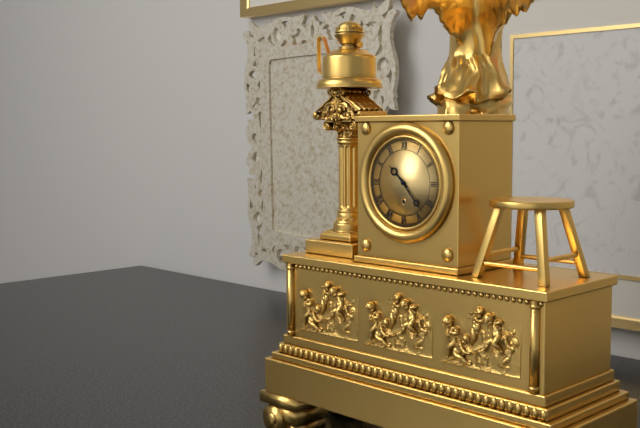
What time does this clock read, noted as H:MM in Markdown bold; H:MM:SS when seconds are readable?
**10:23**
